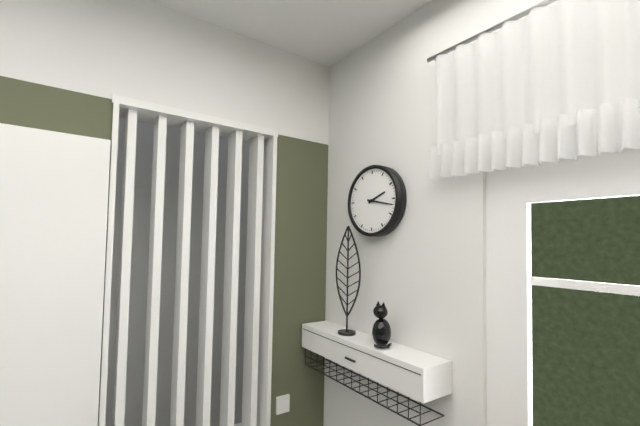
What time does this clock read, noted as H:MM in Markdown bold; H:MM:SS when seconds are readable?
**2:17**
